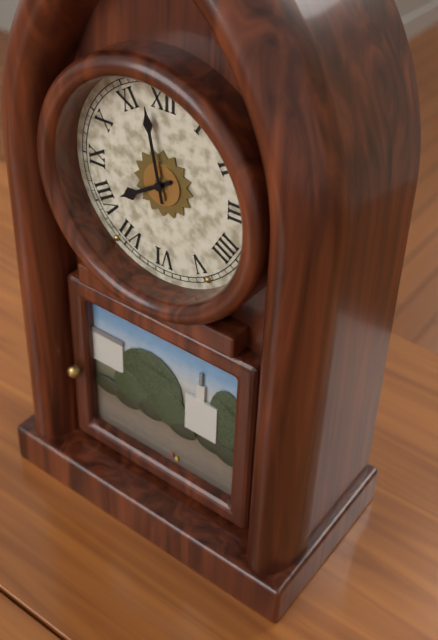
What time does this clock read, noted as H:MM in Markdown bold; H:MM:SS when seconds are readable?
**7:58**
